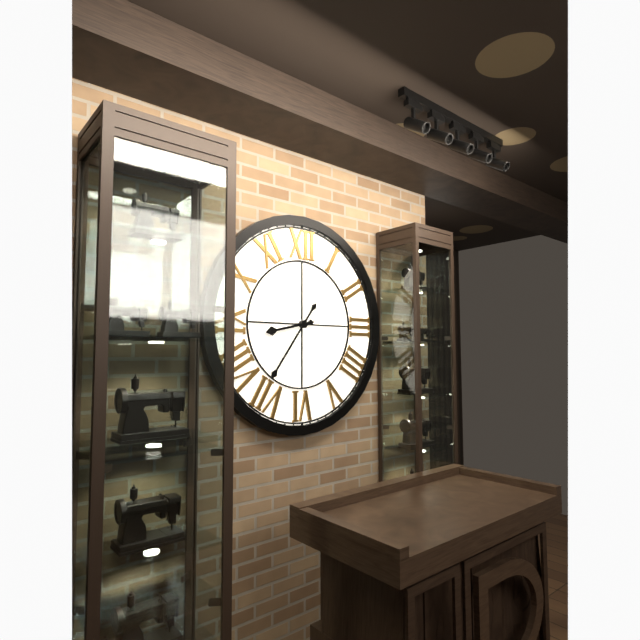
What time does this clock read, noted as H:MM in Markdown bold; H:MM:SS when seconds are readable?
**8:36**
